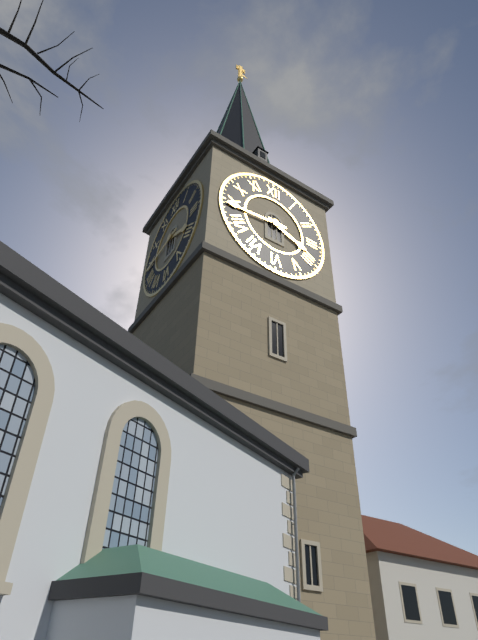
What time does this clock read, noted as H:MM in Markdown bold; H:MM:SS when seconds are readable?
**3:44**
